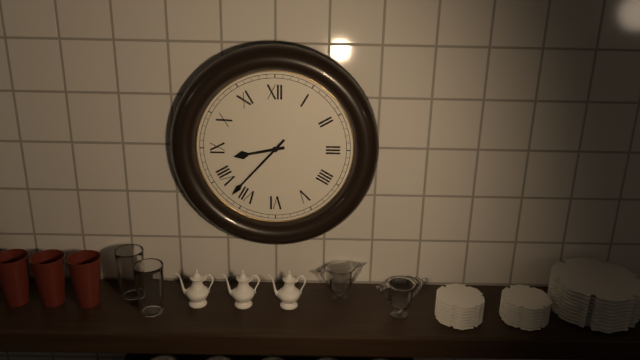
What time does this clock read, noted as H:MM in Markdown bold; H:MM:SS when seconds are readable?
**8:37**
